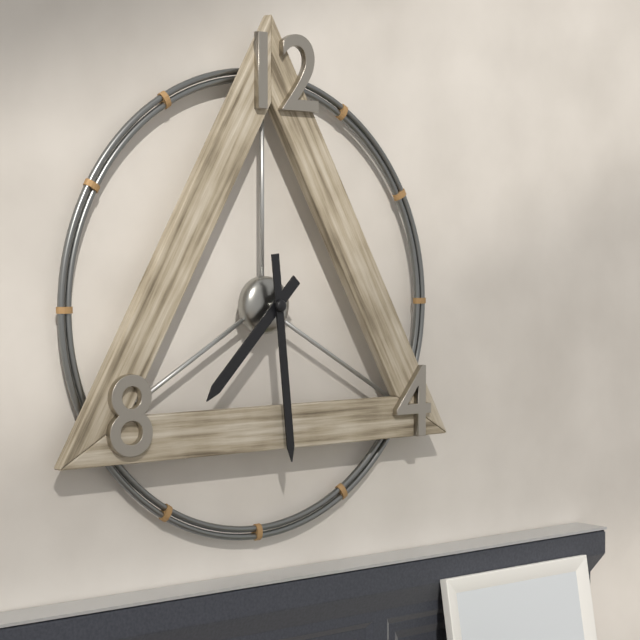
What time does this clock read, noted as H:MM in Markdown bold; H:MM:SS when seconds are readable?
**7:29**
